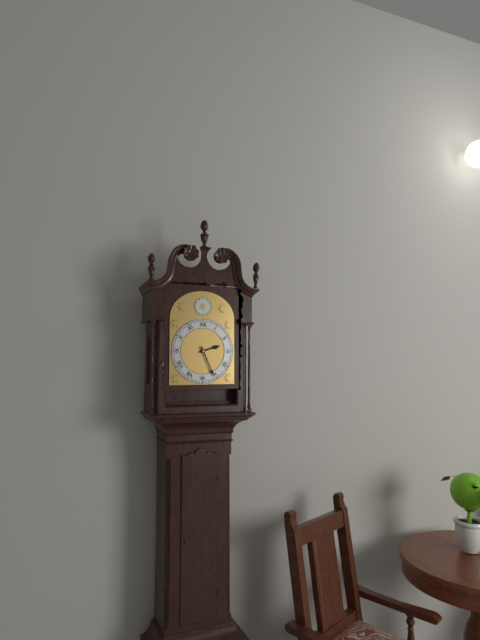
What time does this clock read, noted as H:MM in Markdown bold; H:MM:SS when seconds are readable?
**2:26**
